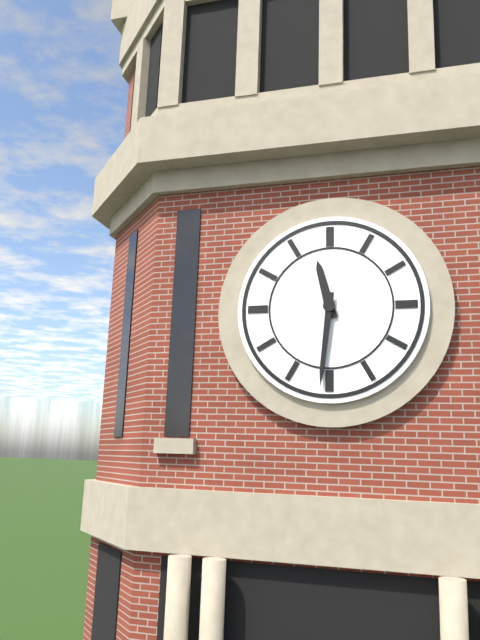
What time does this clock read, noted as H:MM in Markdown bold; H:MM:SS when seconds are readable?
**11:31**
